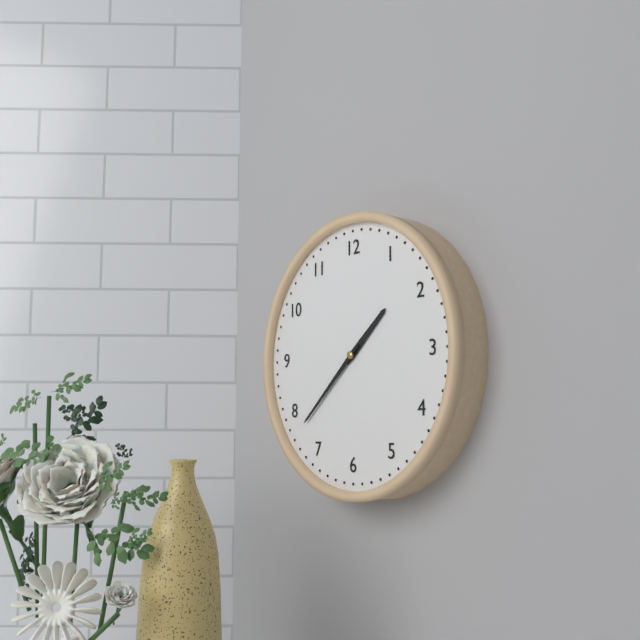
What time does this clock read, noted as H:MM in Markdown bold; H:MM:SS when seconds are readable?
**1:38**
